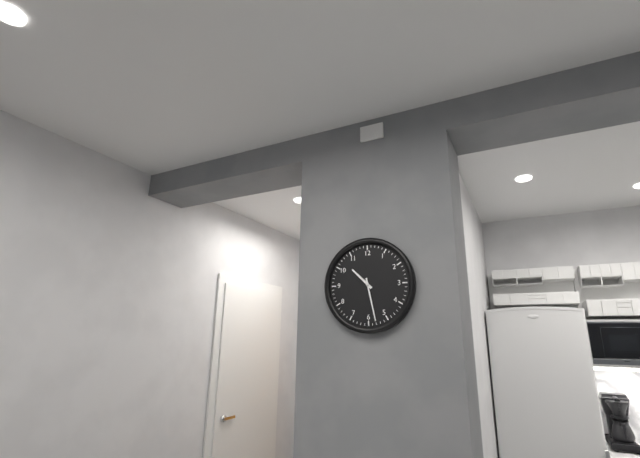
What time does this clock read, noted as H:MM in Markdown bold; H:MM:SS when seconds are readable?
**10:28**
